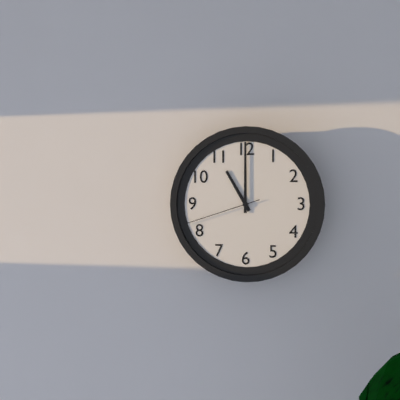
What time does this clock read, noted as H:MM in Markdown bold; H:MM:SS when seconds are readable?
**11:00:42**
